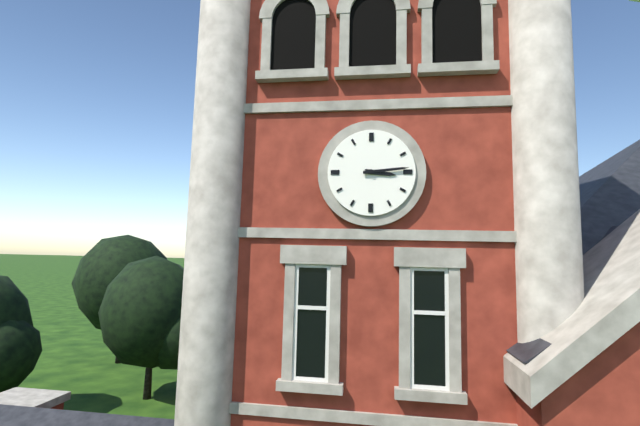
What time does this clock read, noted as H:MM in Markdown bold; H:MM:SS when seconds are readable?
**3:14**
